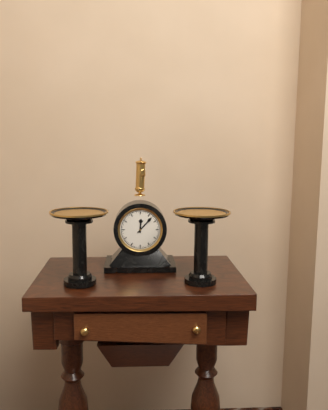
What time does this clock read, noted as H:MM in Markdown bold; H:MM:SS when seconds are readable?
**12:07**
